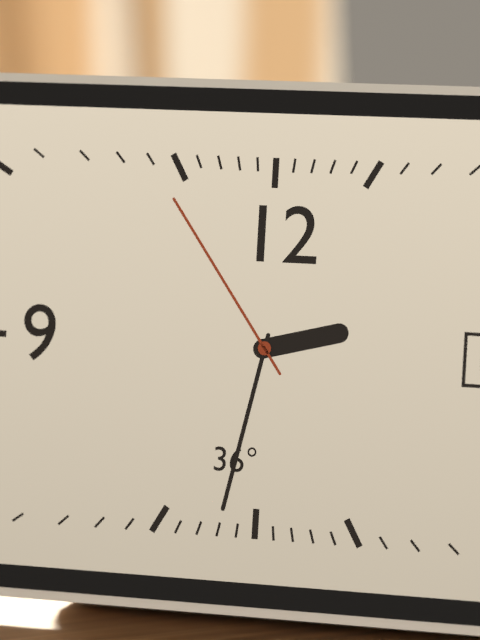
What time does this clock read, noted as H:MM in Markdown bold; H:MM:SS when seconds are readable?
**2:32:54**
